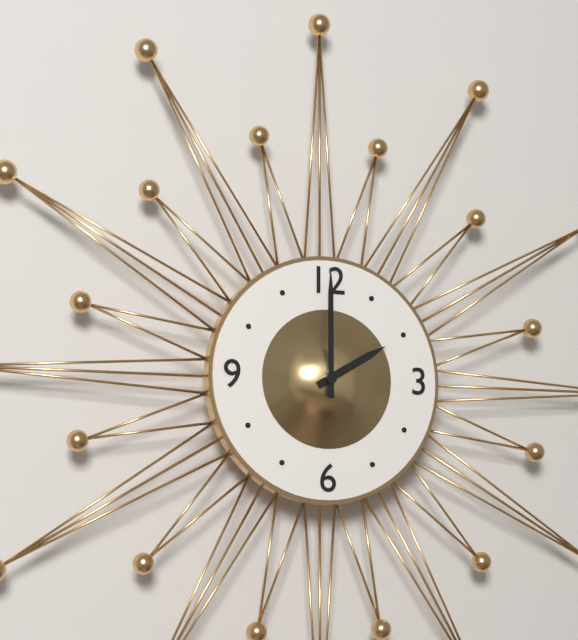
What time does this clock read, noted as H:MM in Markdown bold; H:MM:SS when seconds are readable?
**2:00**
